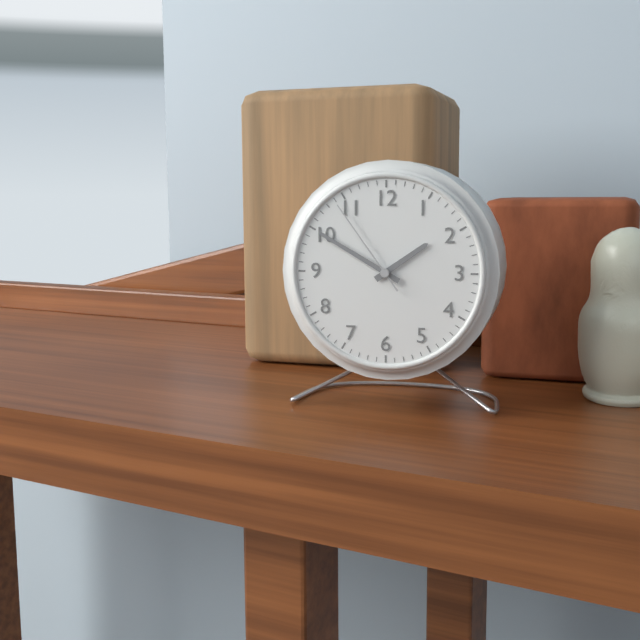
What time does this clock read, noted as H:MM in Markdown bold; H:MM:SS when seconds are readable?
**1:50:54**
